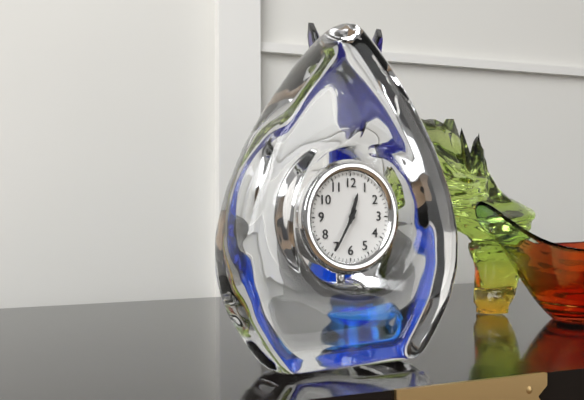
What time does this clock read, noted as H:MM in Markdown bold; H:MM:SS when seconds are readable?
**12:35**
